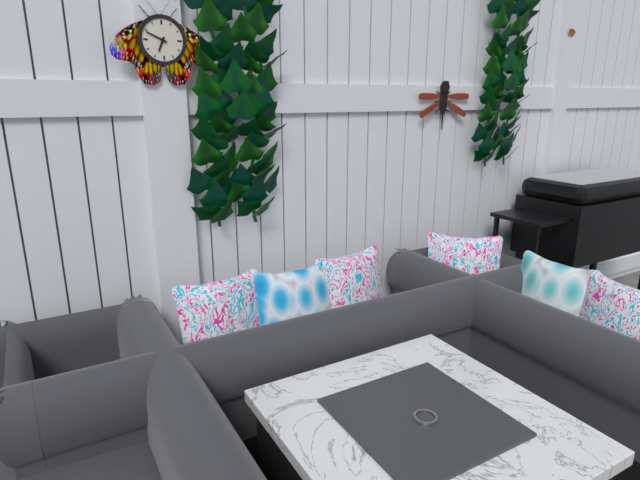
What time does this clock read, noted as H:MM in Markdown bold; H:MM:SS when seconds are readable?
**6:49**
